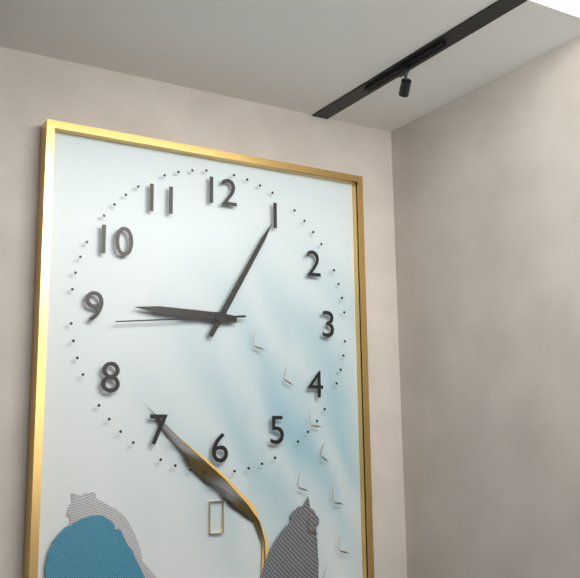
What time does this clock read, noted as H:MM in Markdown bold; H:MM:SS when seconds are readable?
**9:05:44**
